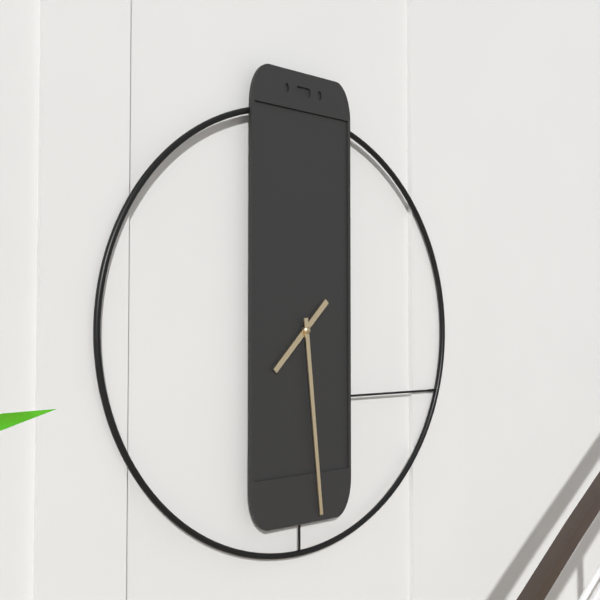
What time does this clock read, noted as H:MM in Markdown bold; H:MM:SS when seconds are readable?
**7:29**
